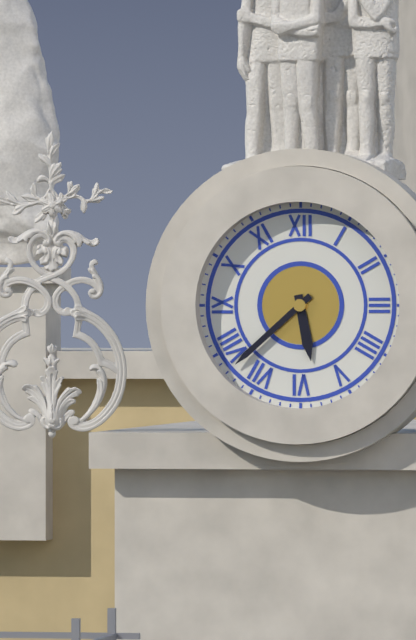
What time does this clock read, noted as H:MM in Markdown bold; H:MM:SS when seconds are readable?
**5:38**
